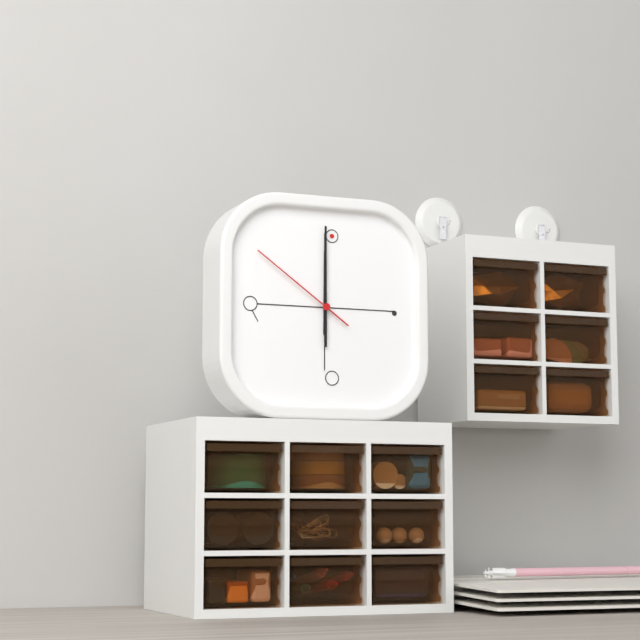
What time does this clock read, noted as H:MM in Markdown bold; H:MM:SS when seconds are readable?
**12:00:51**
